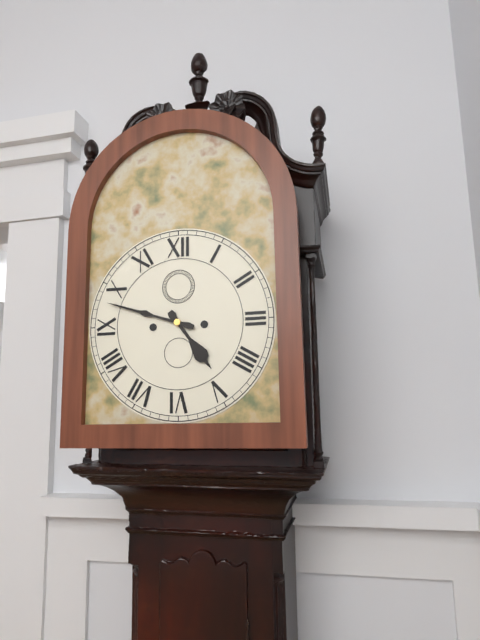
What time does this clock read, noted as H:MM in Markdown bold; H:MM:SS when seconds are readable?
**4:48**
